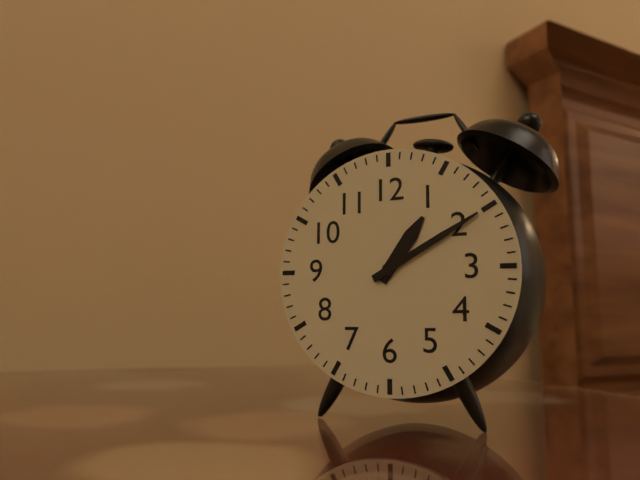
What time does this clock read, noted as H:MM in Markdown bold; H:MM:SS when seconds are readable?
**1:10**
